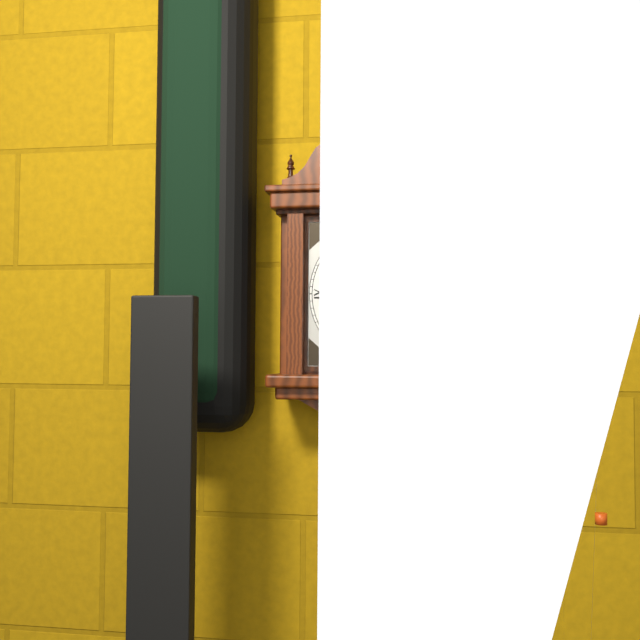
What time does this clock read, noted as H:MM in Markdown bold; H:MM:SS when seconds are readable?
**8:41**
